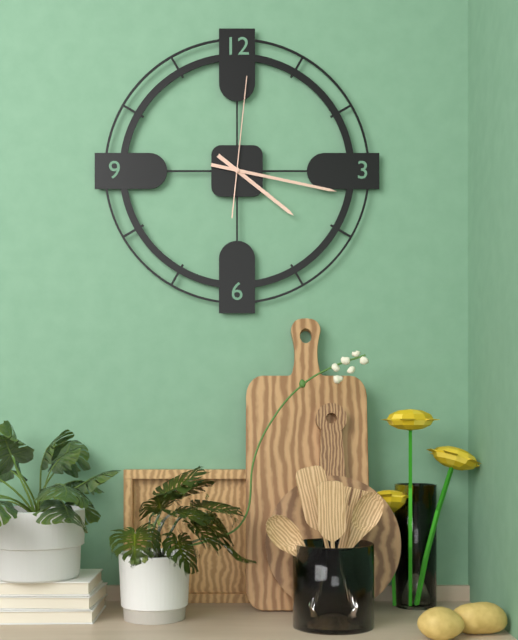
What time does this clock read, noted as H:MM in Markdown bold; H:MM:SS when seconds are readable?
**4:17:01**
